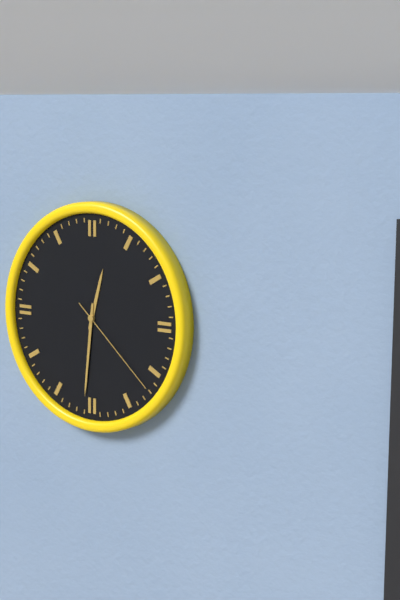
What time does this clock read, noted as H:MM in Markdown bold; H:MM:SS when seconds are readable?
**12:31:22**
